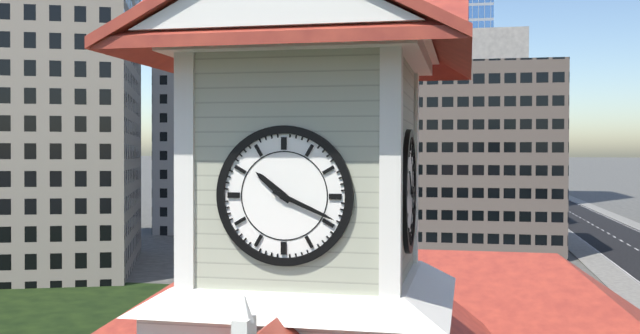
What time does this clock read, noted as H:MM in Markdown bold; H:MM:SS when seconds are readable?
**10:19**
